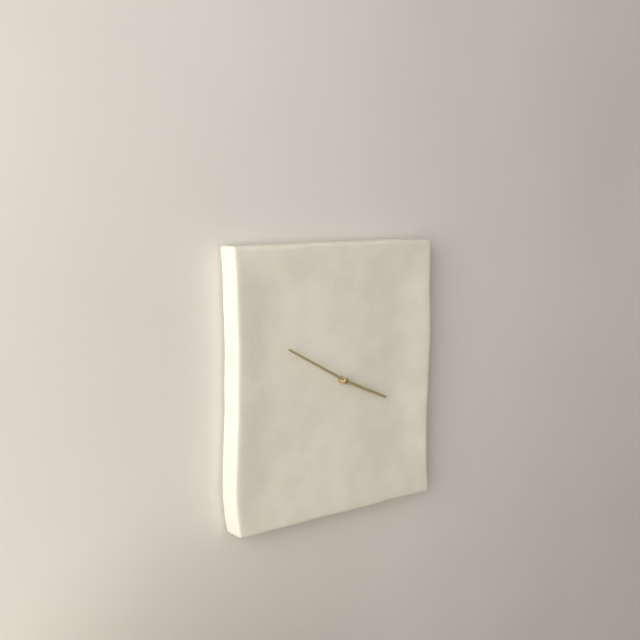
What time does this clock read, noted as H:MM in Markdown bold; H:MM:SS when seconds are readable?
**3:50**
